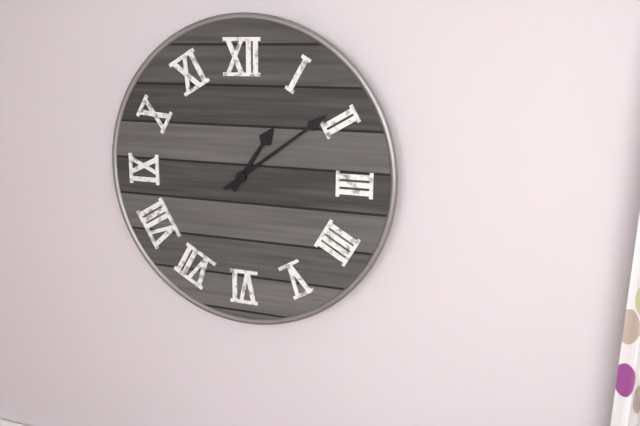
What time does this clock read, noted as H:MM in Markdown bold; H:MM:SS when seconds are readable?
**1:09**
